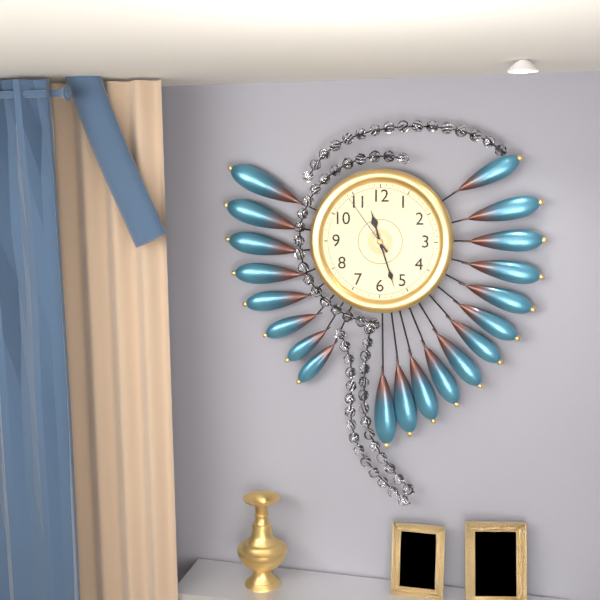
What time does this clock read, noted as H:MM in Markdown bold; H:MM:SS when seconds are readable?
**11:27:54**
